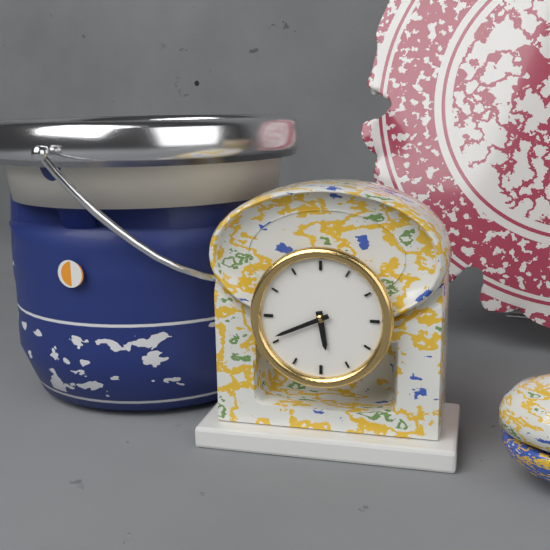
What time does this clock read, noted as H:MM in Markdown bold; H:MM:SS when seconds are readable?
**5:41**
